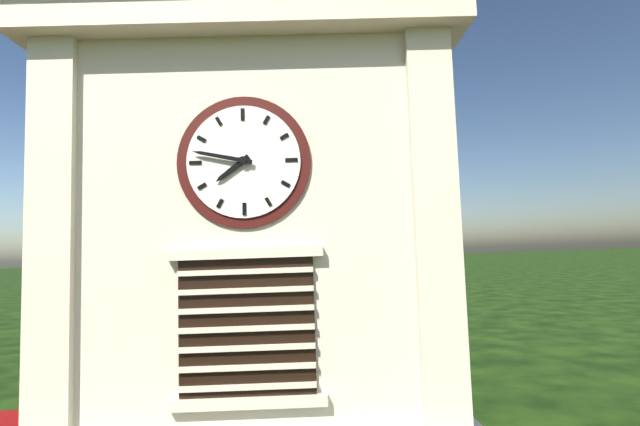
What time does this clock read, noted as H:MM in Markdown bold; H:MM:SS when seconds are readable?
**7:47**
